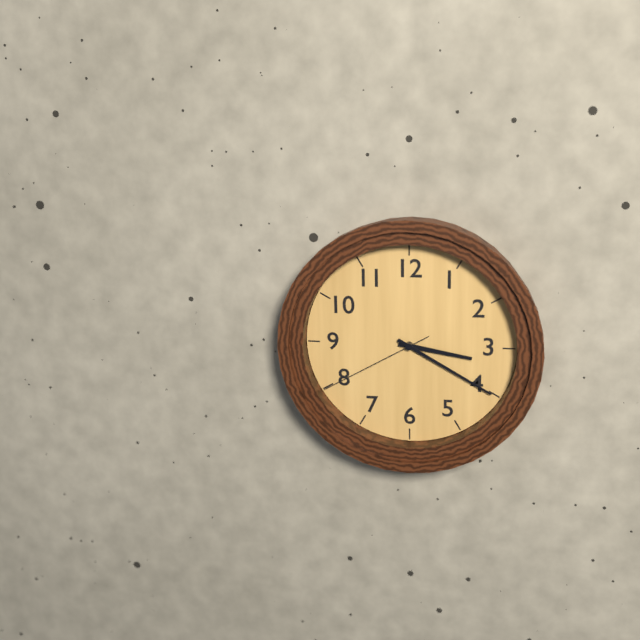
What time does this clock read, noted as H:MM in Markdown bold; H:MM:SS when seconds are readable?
**3:20:40**
